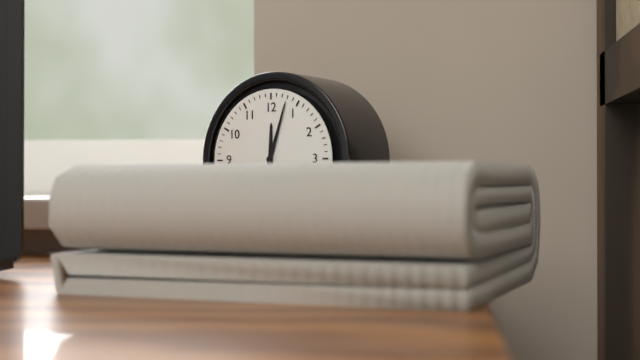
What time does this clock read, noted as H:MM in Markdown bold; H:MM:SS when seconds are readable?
**12:03**
